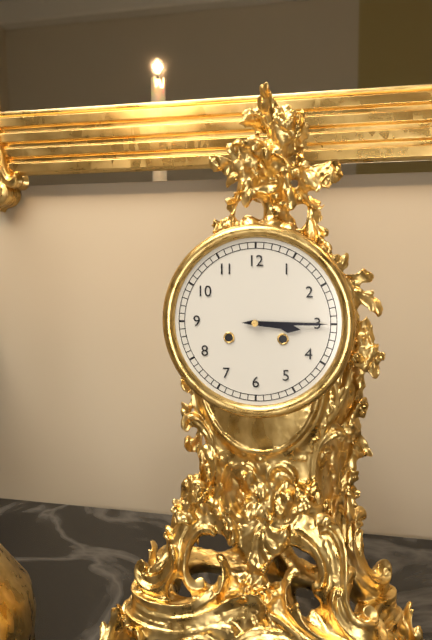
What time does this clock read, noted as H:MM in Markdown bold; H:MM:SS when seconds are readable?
**3:15**
